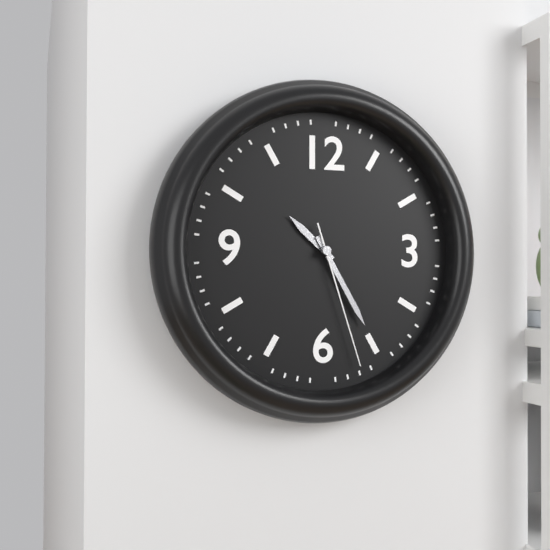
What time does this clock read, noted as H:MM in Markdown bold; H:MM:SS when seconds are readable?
**10:25:27**
